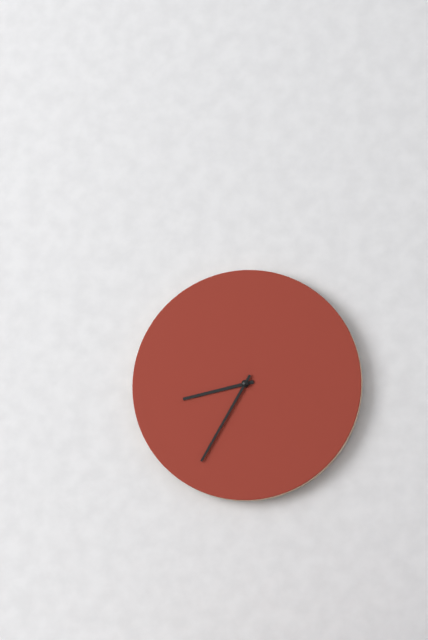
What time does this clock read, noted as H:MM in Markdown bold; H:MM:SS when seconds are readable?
**8:35**
